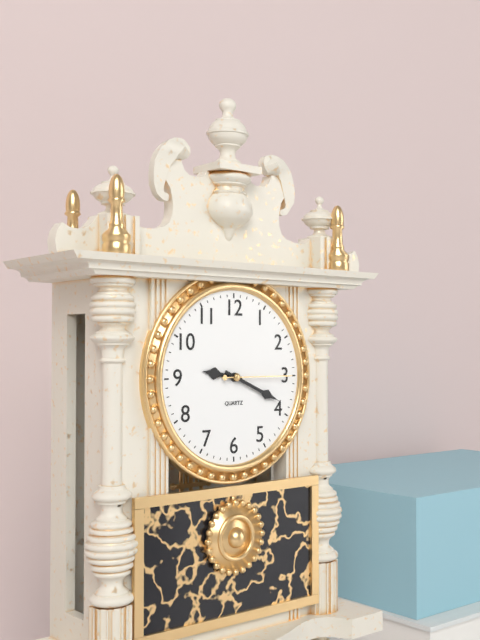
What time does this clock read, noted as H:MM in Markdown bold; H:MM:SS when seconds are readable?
**9:19:15**
